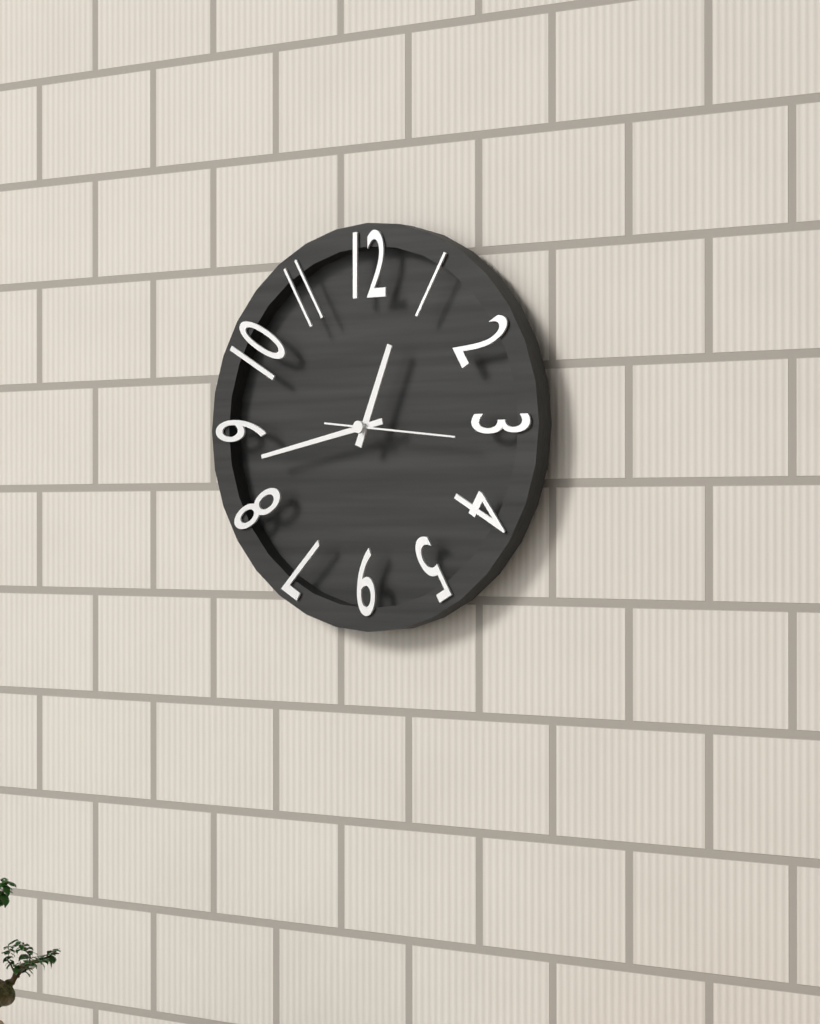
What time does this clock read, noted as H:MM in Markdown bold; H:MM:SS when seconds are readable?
**12:43:16**
